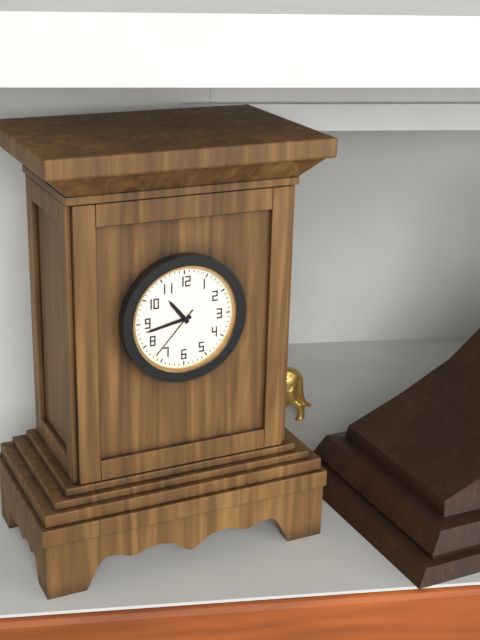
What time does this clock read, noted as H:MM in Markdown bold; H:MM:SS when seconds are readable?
**10:43:37**
